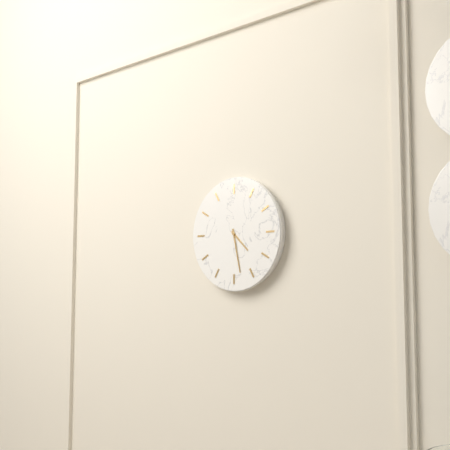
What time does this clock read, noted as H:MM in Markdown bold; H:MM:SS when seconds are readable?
**4:28**
